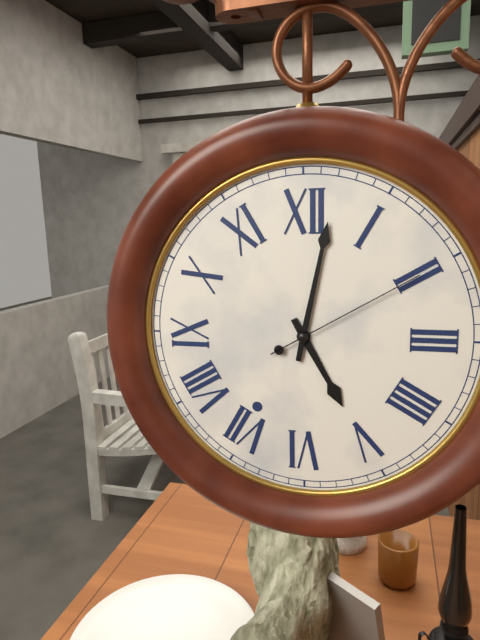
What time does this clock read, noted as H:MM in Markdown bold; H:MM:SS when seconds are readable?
**5:02:10**
